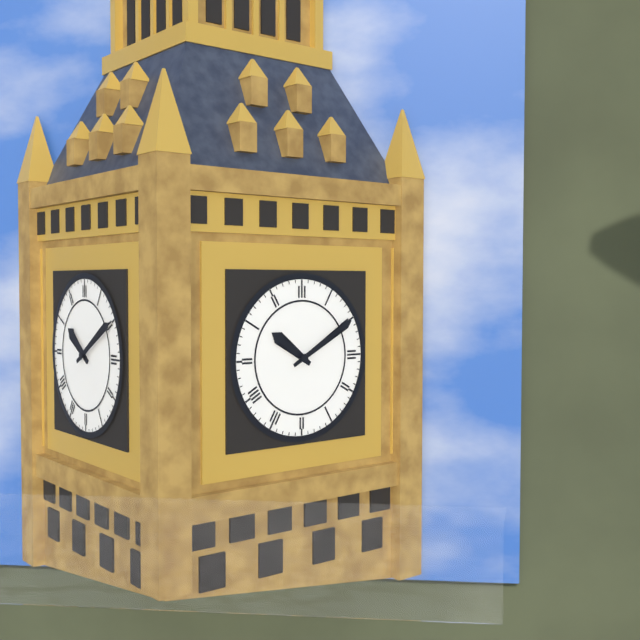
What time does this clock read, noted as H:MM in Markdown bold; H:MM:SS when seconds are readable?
**10:10**
